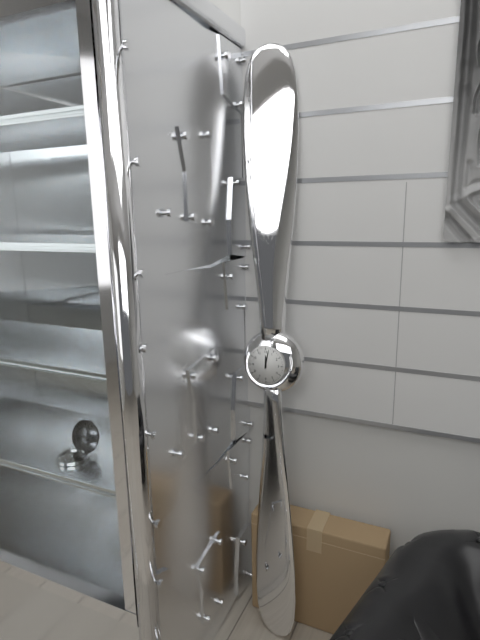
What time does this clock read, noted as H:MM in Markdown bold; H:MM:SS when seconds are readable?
**12:02**
